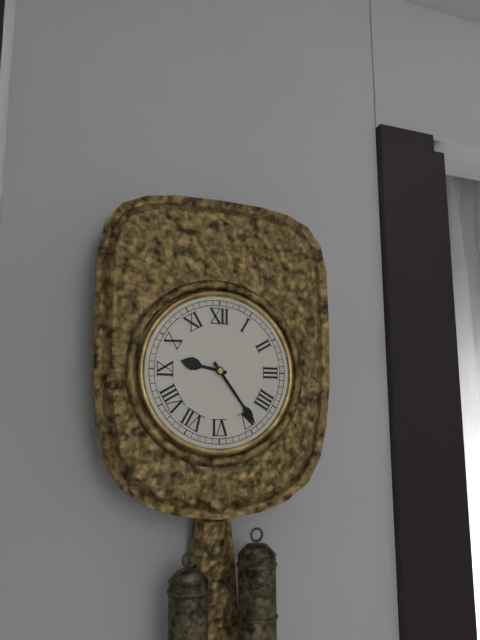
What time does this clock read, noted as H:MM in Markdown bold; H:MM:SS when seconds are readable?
**9:24**
